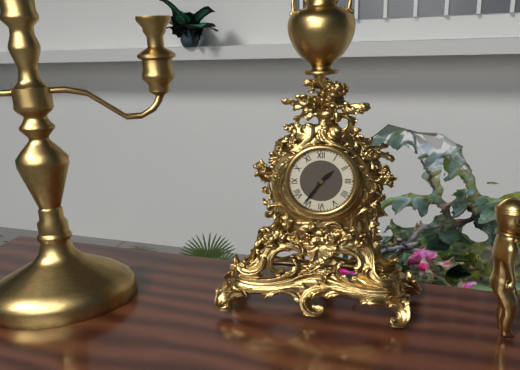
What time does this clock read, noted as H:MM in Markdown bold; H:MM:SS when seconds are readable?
**1:36**
